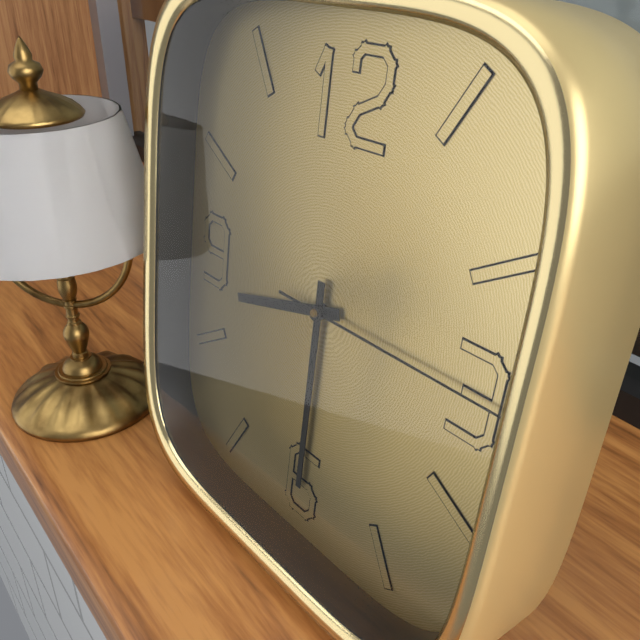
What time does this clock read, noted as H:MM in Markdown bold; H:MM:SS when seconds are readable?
**8:30:15**
